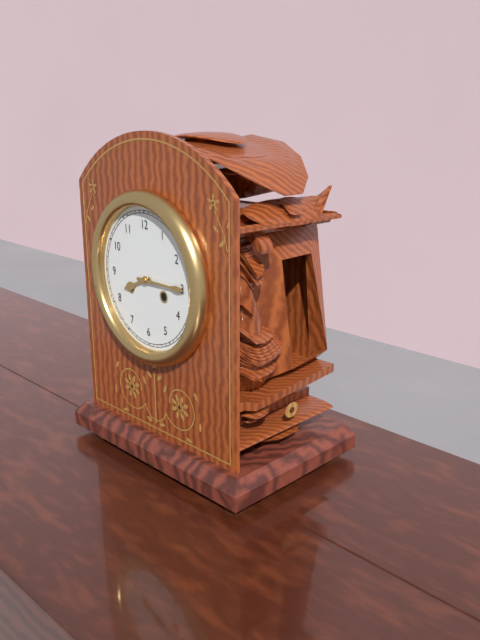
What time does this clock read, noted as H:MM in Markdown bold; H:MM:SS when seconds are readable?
**8:15**
